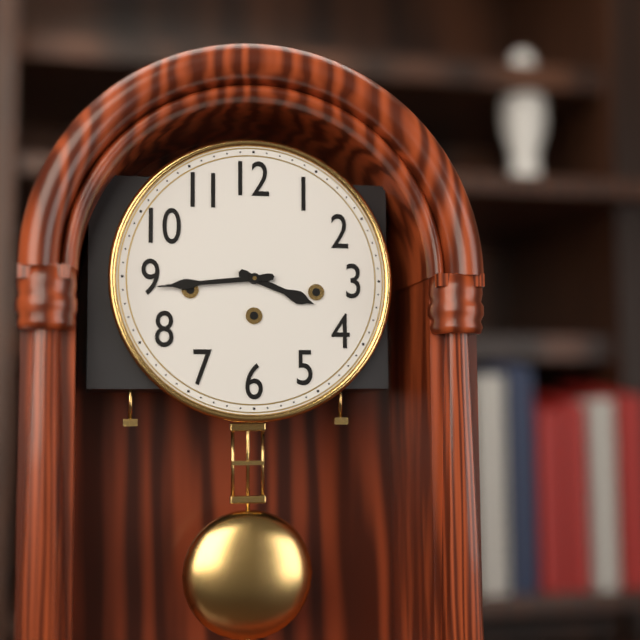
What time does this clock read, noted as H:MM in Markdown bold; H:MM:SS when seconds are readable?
**3:44**
